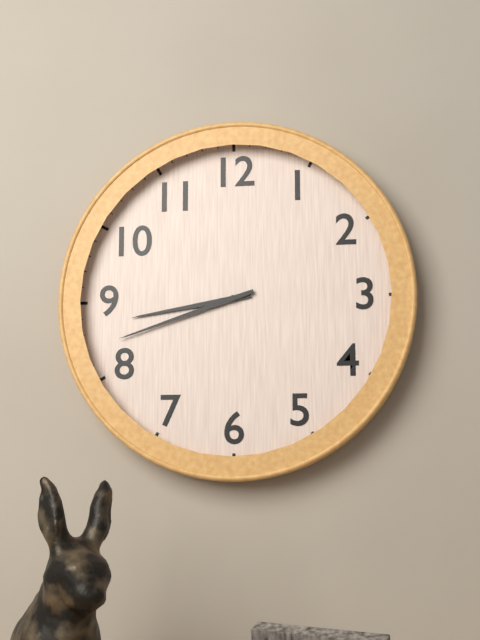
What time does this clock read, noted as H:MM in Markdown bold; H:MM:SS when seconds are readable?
**8:42**
